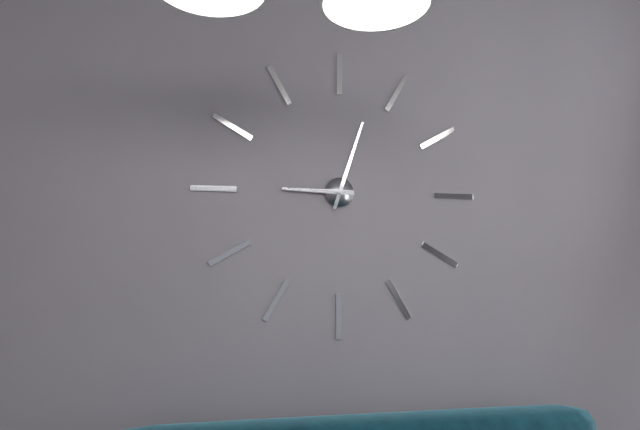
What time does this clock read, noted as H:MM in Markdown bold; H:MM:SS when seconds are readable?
**9:03**
